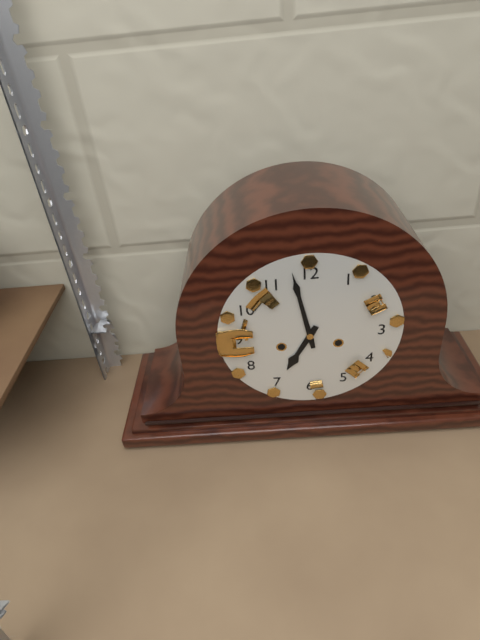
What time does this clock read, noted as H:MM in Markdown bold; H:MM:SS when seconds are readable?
**6:58**
